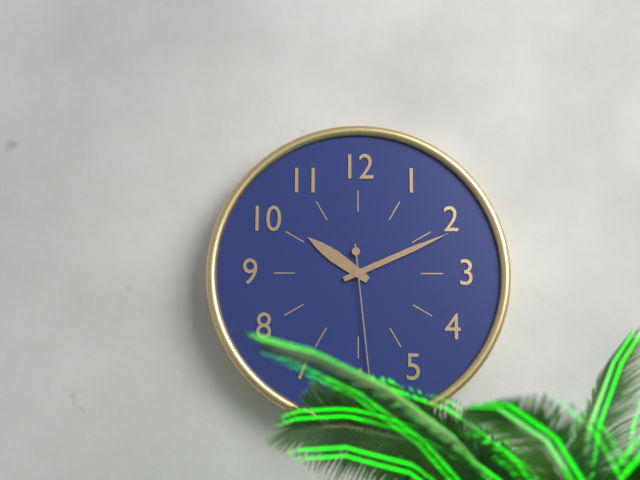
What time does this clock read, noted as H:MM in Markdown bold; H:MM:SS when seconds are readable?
**10:11:29**
